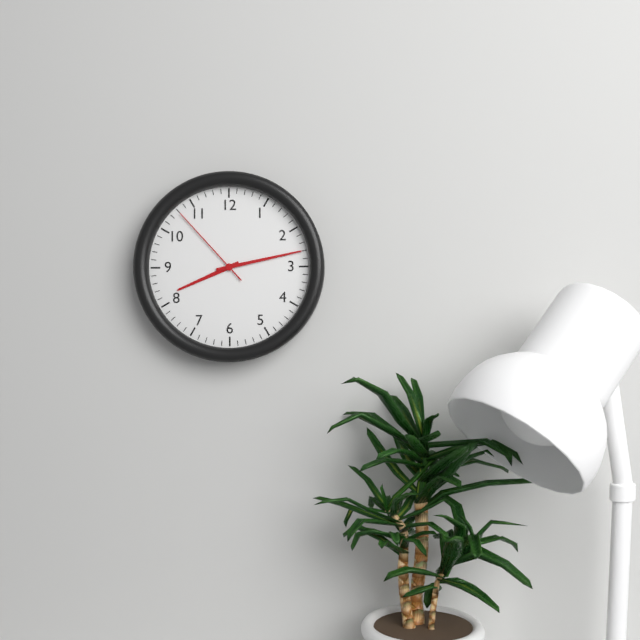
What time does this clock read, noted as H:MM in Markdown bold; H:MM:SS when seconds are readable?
**8:13:53**
